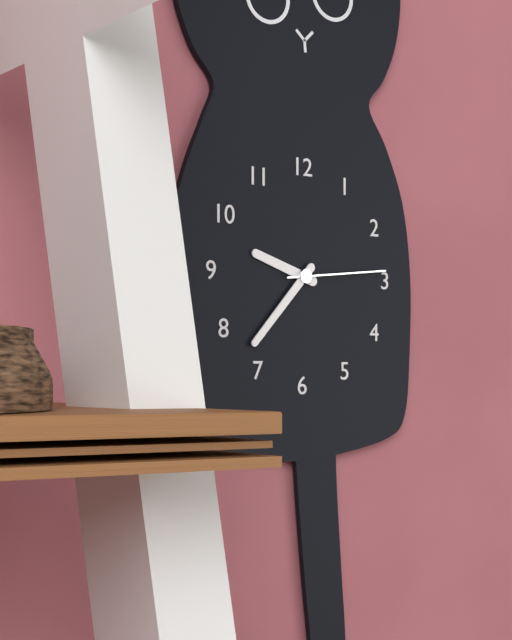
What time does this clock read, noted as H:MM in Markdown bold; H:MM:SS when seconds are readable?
**9:37:14**
